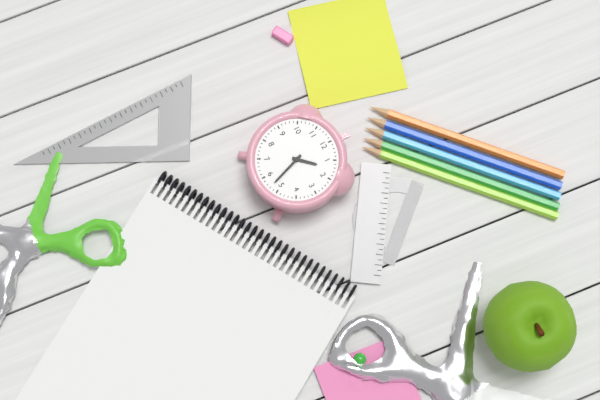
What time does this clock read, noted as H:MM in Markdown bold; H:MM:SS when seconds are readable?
**1:27**
